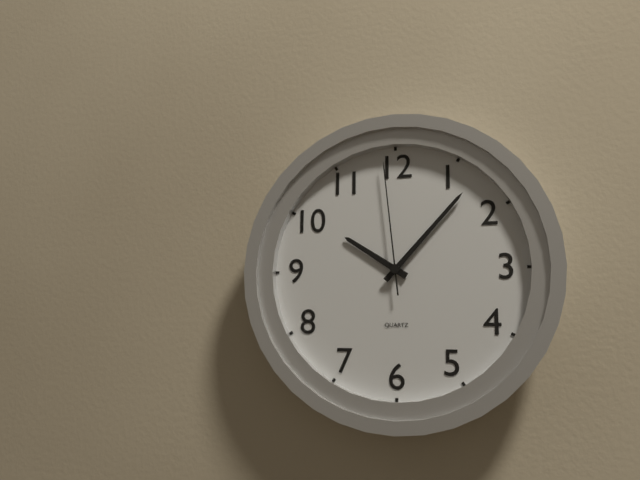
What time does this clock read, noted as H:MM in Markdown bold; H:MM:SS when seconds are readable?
**10:07:59**
